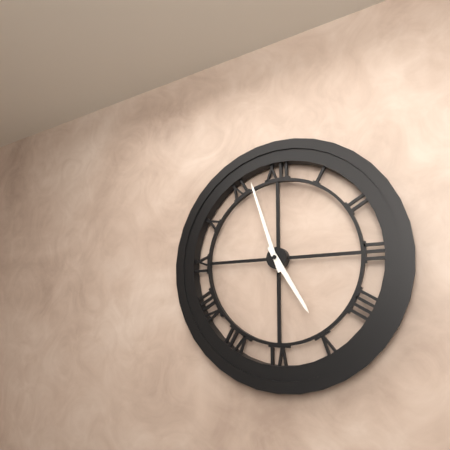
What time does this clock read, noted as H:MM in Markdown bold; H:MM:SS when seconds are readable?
**4:57**
